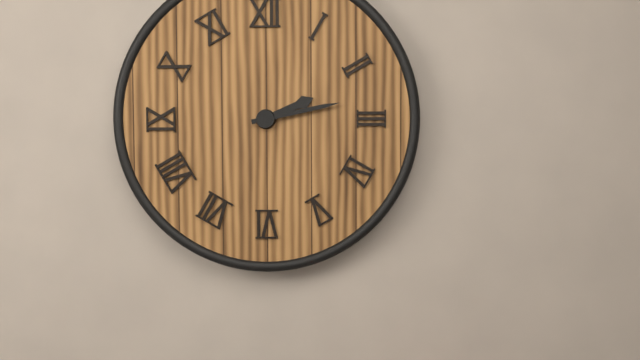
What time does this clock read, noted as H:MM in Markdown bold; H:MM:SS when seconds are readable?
**2:13**
